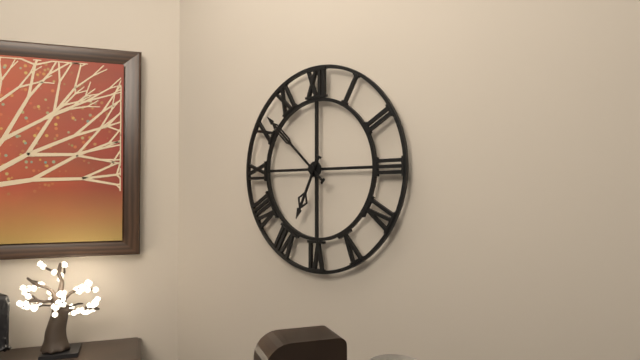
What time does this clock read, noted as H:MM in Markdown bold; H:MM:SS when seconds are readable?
**6:52**
